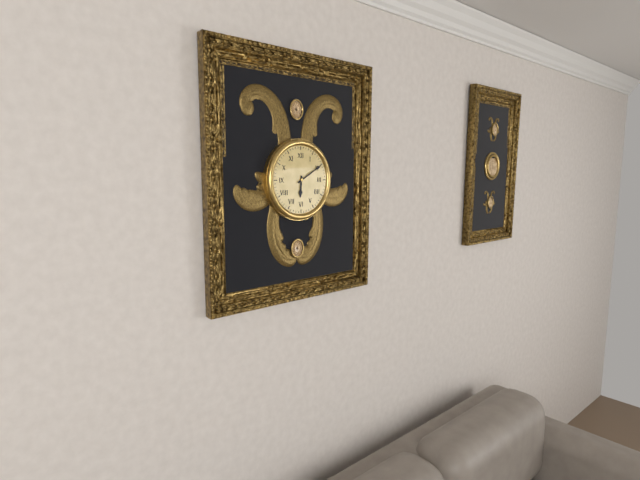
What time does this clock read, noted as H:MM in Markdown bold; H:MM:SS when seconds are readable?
**6:10**
